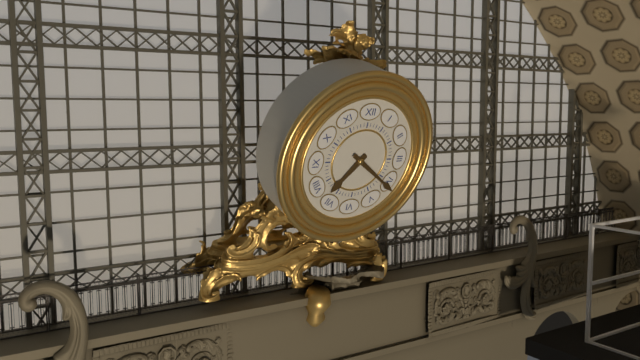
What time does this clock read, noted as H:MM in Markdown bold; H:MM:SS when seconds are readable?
**7:21**
